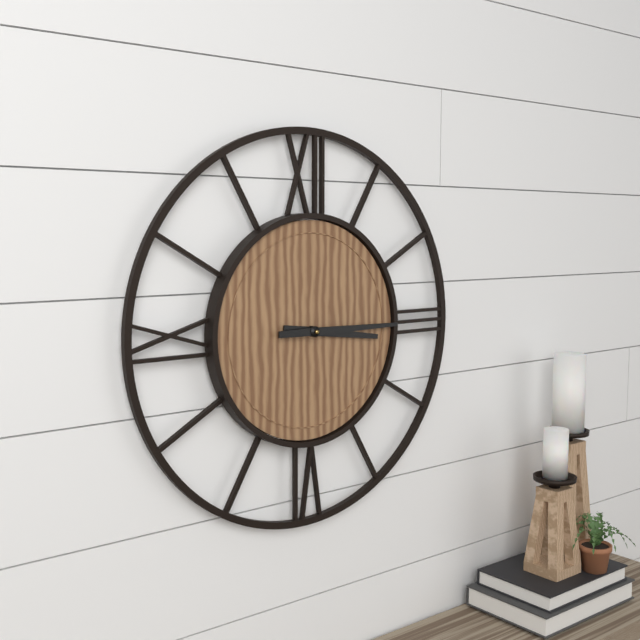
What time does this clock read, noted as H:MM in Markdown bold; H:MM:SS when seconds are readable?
**3:15**
